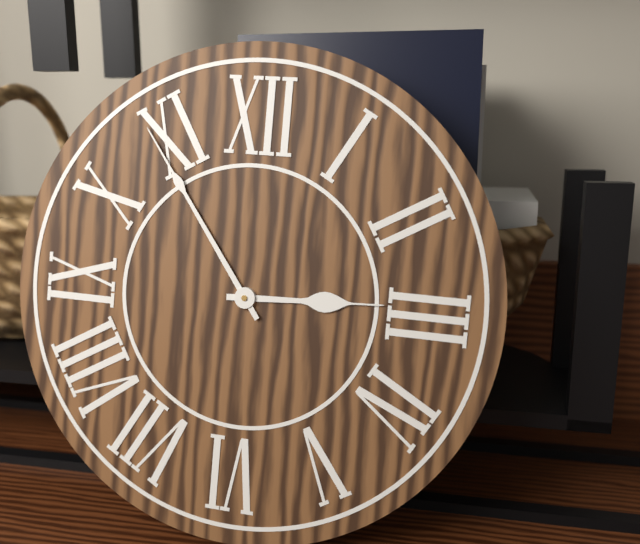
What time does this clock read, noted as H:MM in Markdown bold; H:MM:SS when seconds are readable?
**2:54**
